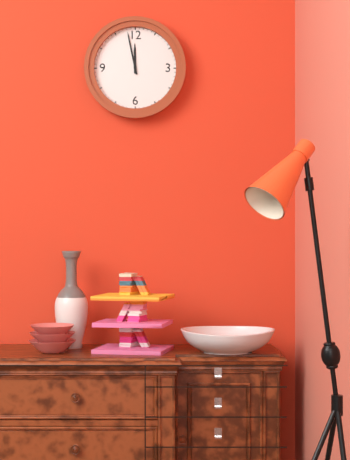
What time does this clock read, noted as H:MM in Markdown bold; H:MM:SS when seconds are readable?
**11:58**
